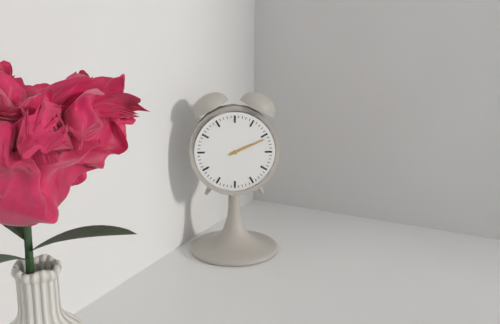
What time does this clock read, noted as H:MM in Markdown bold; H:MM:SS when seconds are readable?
**2:11**
